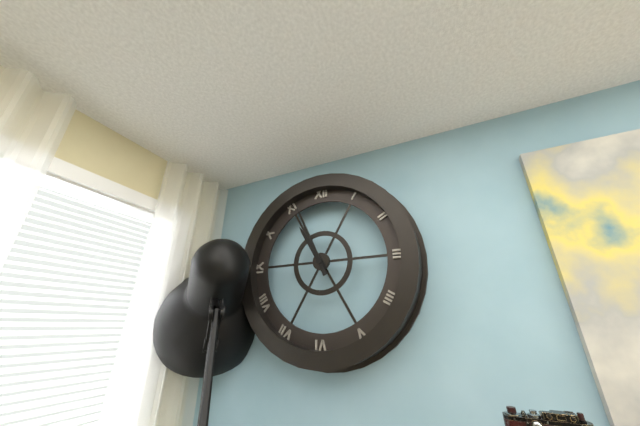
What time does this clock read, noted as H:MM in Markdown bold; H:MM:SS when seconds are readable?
**10:56**
